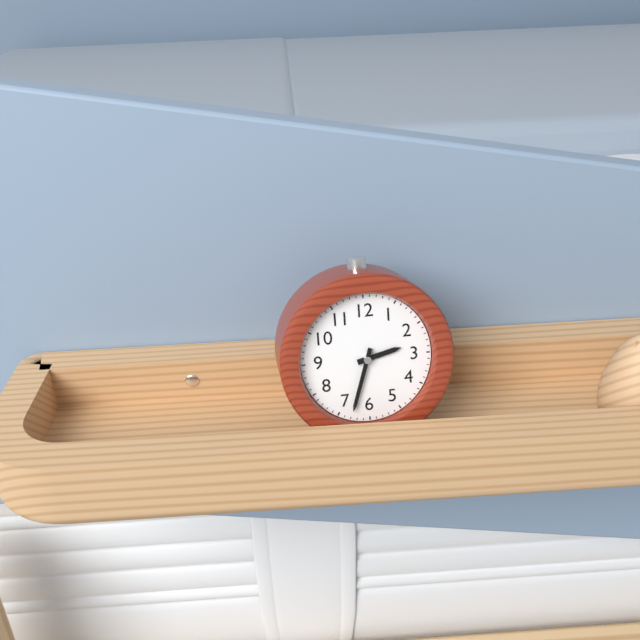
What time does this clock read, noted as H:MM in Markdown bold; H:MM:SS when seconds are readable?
**2:33**
